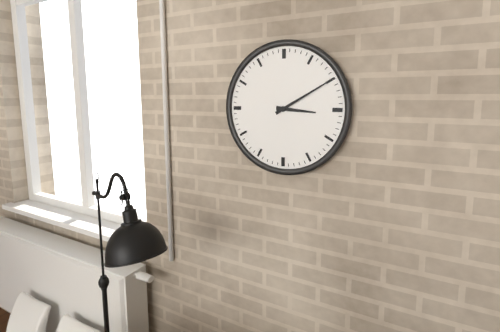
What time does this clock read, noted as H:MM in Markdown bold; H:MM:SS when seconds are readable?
**3:10**
